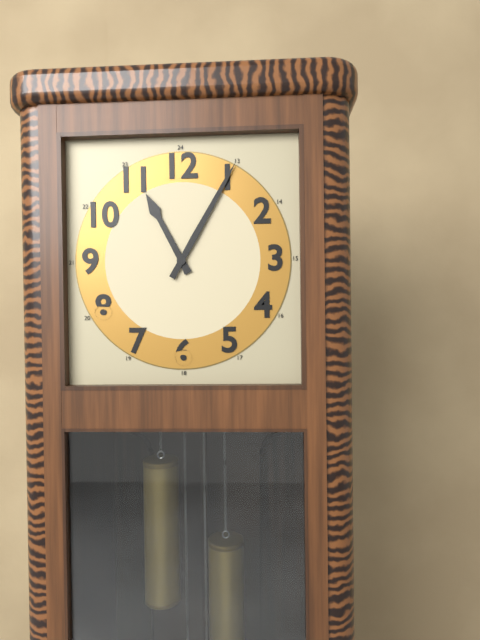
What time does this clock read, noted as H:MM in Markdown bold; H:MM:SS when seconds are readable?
**11:05**
